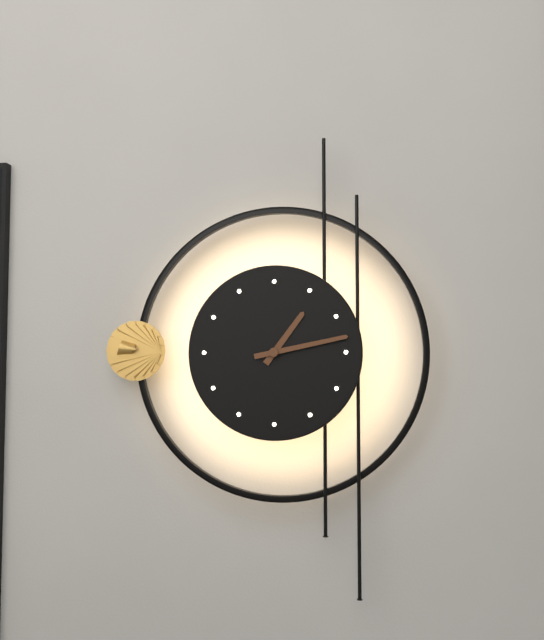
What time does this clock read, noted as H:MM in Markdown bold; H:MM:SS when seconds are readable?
**1:13**
